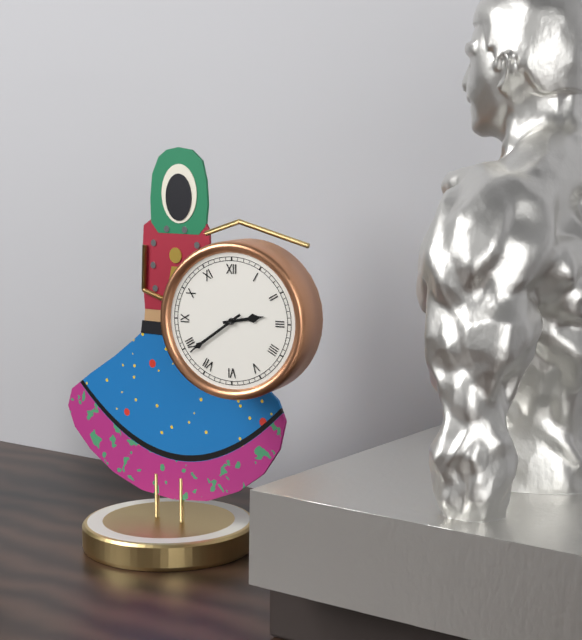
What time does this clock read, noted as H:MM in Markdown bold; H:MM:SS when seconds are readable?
**2:39**
